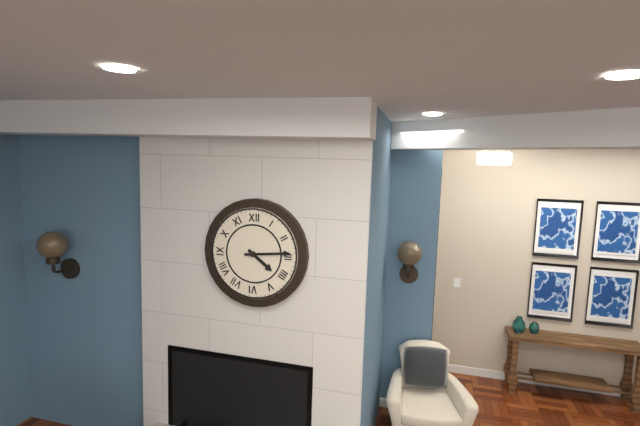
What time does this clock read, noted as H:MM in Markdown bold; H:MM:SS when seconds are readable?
**4:14**
